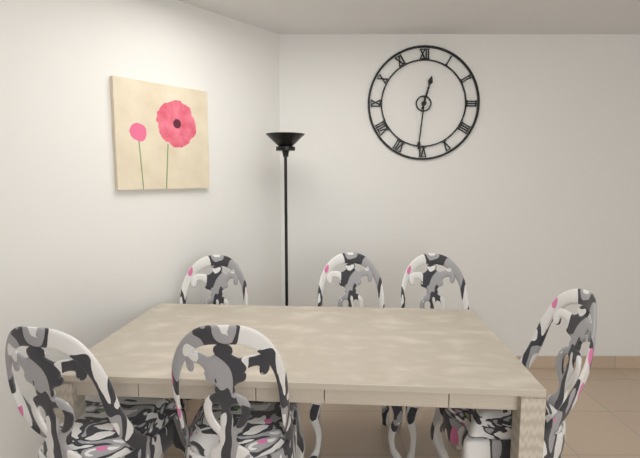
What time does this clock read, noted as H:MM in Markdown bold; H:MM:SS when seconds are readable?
**12:31**
